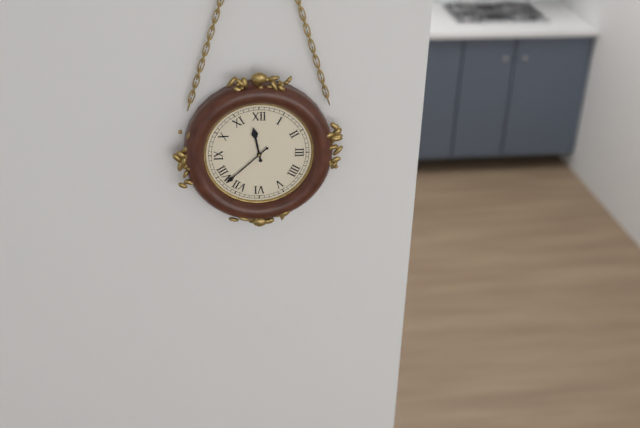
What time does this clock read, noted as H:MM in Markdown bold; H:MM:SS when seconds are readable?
**11:38**
